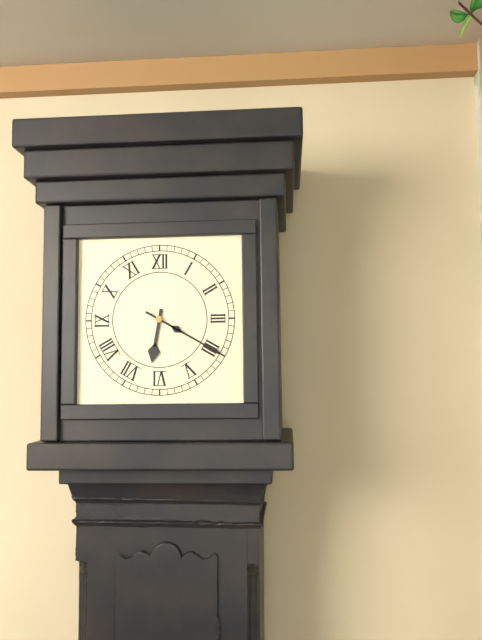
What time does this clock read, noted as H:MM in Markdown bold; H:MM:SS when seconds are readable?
**6:20**
